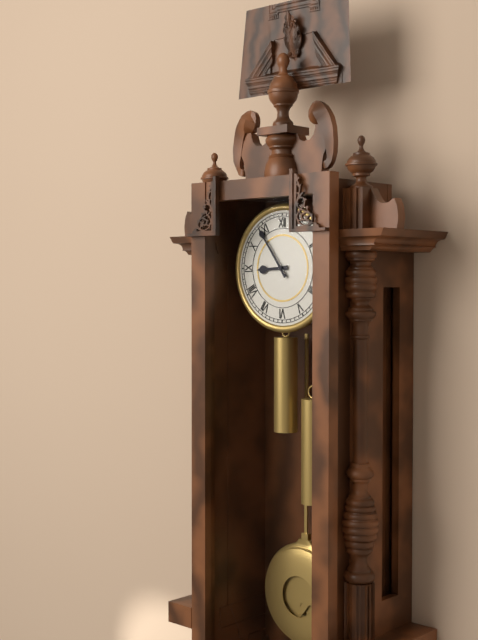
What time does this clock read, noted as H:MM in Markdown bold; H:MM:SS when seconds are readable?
**8:54**
